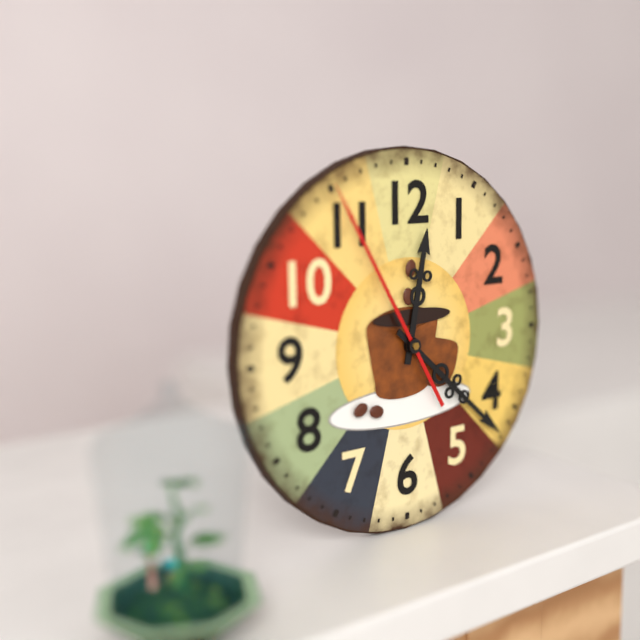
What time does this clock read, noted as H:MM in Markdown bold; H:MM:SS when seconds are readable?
**12:22:55**
